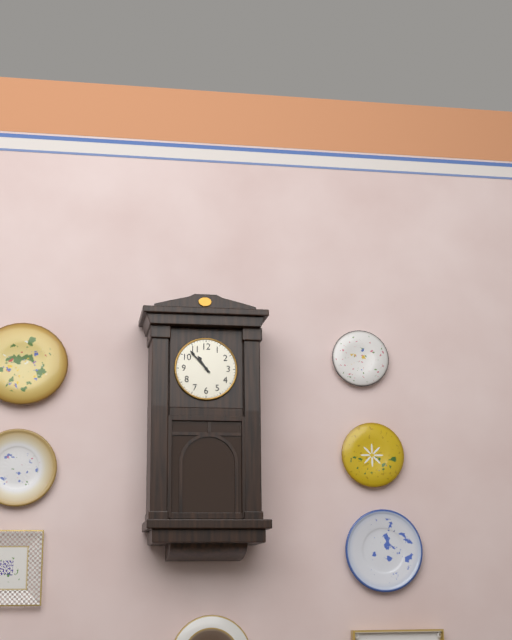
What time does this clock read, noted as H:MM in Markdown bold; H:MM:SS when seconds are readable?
**10:53**
